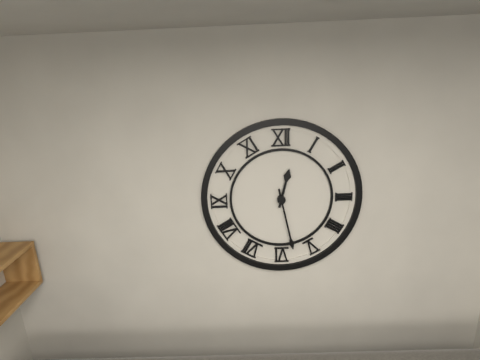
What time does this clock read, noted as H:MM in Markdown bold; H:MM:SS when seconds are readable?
**12:28**
